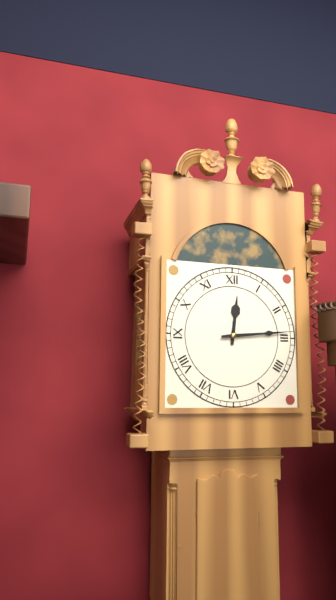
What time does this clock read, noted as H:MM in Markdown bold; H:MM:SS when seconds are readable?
**12:14**
